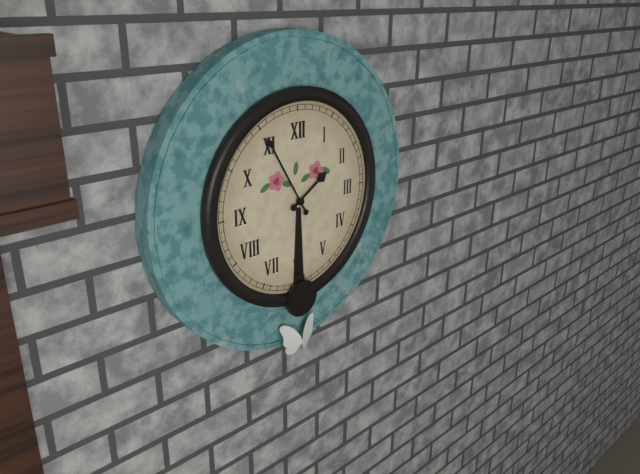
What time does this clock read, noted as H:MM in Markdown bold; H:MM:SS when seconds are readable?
**1:55**
